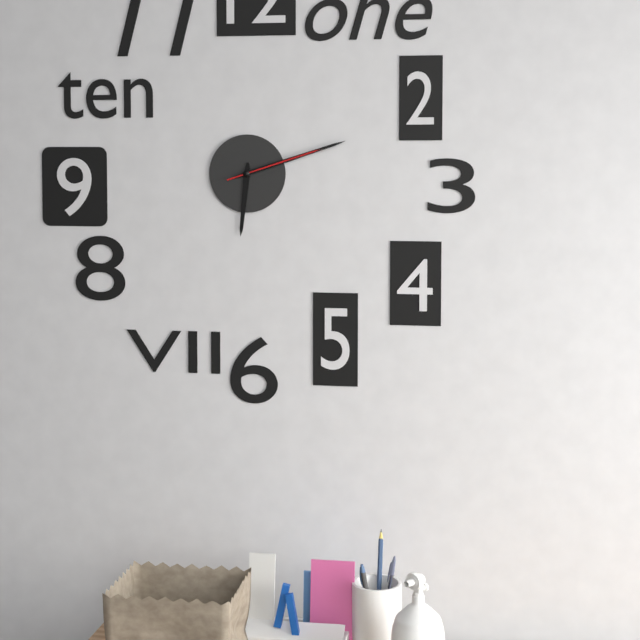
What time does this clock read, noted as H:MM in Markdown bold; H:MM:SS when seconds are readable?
**6:12:12**
